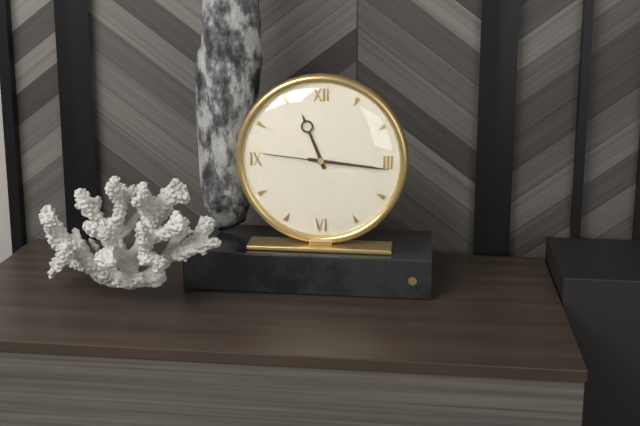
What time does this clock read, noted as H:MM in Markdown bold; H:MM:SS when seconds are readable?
**11:16:46**
